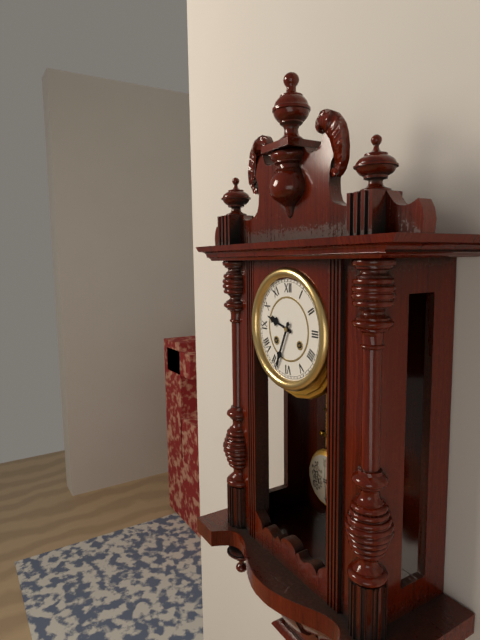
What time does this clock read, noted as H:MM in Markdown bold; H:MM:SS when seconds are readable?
**9:34**
